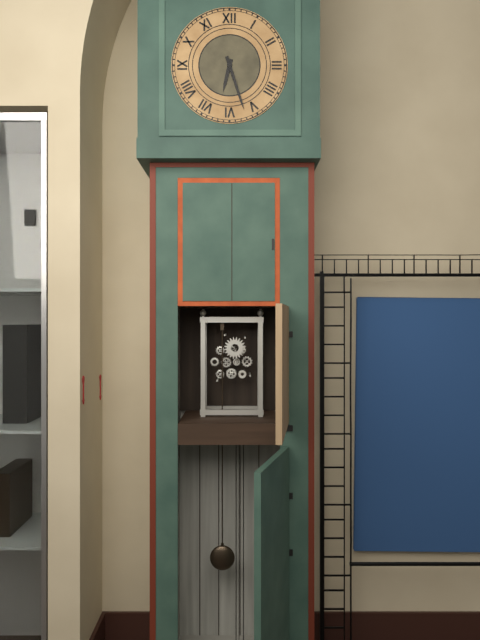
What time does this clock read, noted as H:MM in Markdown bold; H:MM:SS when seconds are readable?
**6:27**
